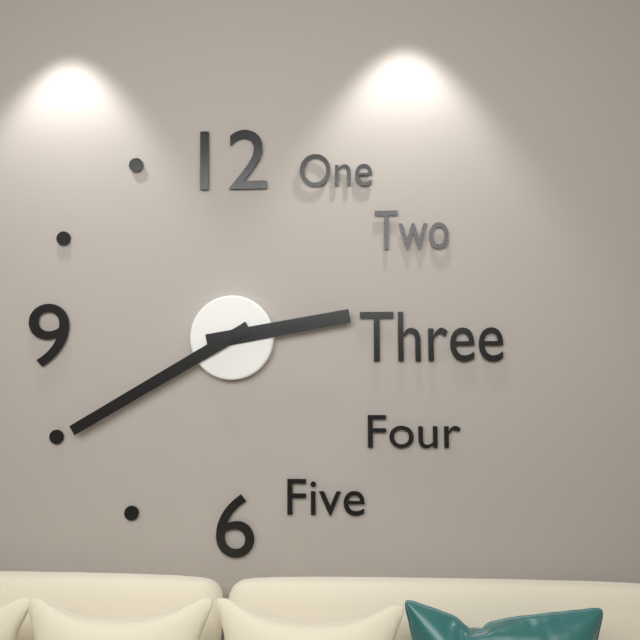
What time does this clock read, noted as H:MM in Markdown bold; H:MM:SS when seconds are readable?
**2:40**
